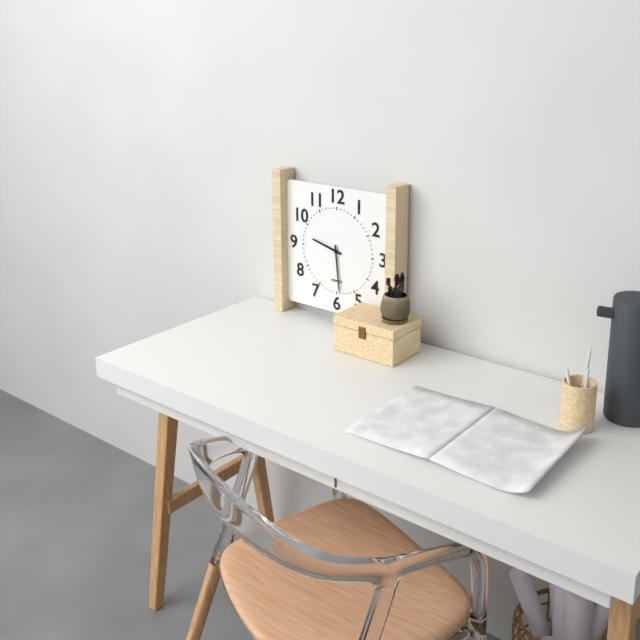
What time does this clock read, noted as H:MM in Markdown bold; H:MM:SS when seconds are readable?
**9:29**
